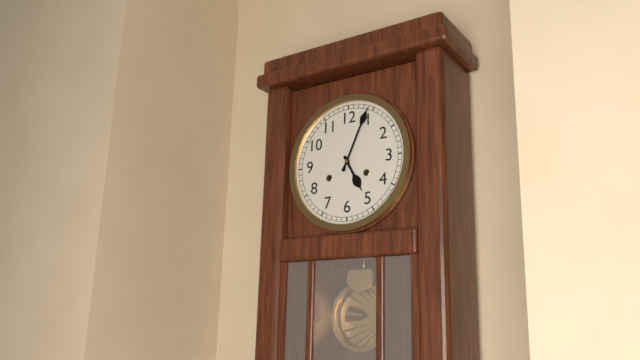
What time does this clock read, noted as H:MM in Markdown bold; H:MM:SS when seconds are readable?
**5:04**
